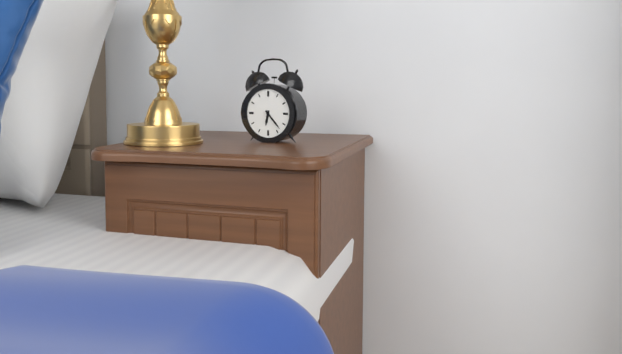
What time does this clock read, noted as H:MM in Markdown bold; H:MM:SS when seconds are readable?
**6:23**
